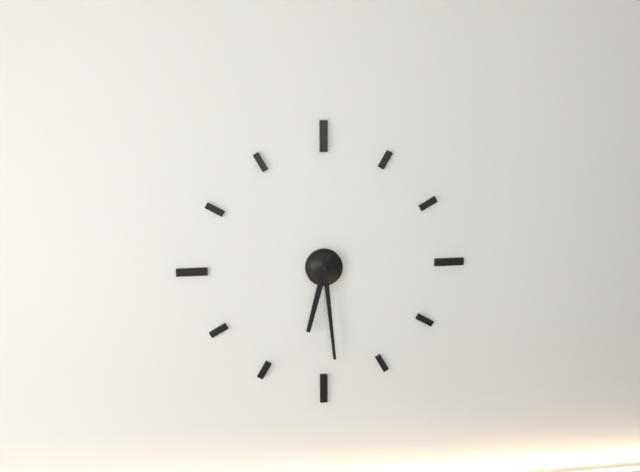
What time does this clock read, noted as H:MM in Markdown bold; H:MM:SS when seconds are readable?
**6:29**
